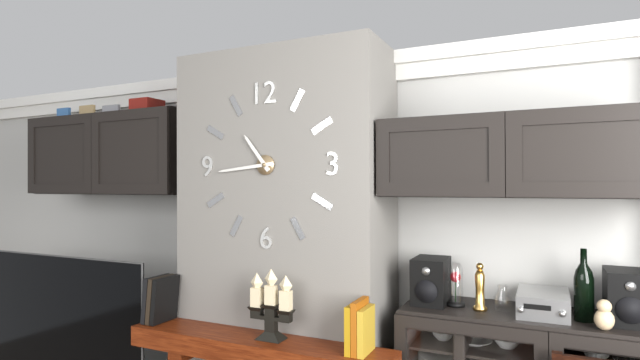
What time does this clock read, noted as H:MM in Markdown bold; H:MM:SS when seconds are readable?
**10:44**
